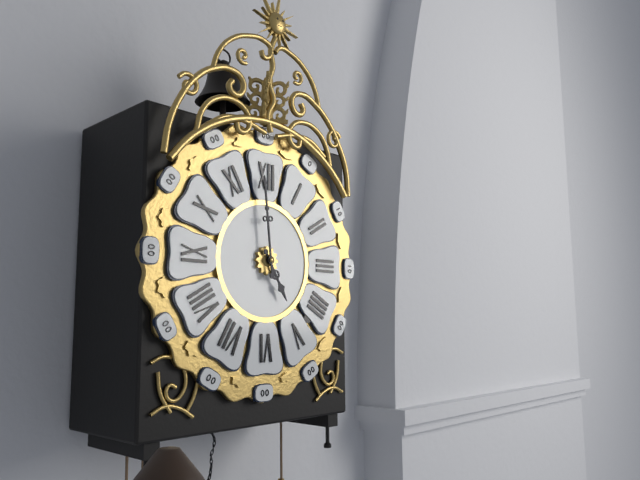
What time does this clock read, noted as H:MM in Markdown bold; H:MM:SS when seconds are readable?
**4:59**
